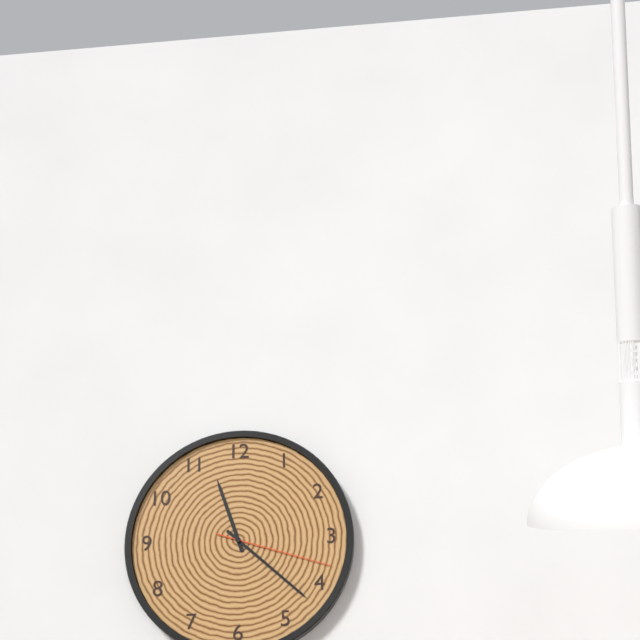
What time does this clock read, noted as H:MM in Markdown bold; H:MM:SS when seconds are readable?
**11:22:18**
